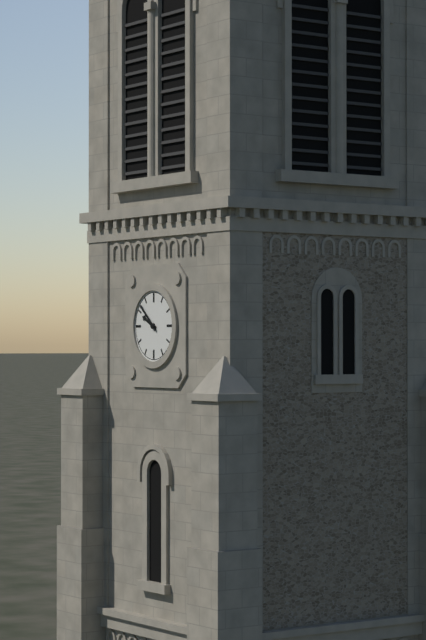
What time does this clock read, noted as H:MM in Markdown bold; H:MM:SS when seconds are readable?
**9:52**
